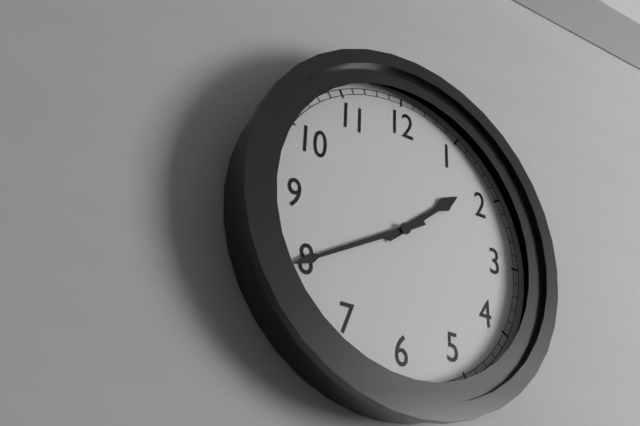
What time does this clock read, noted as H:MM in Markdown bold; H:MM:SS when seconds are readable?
**1:40**
